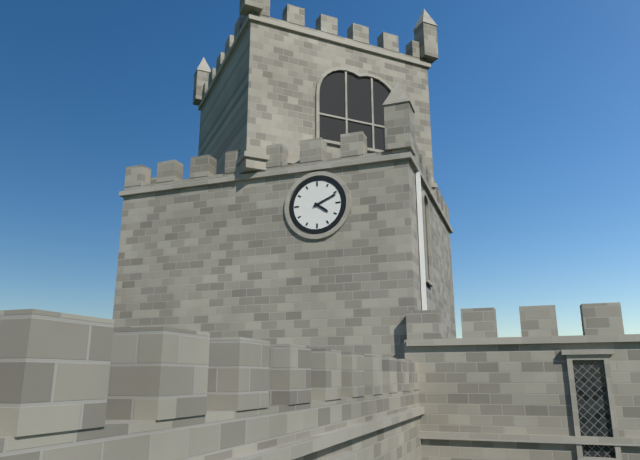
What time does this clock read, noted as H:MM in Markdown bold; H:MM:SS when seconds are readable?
**4:11**
